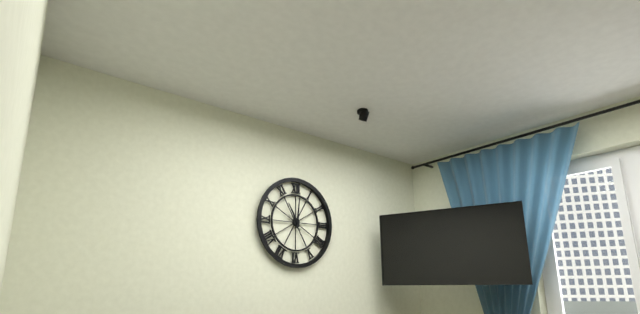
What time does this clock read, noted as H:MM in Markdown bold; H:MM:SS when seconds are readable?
**11:01**
